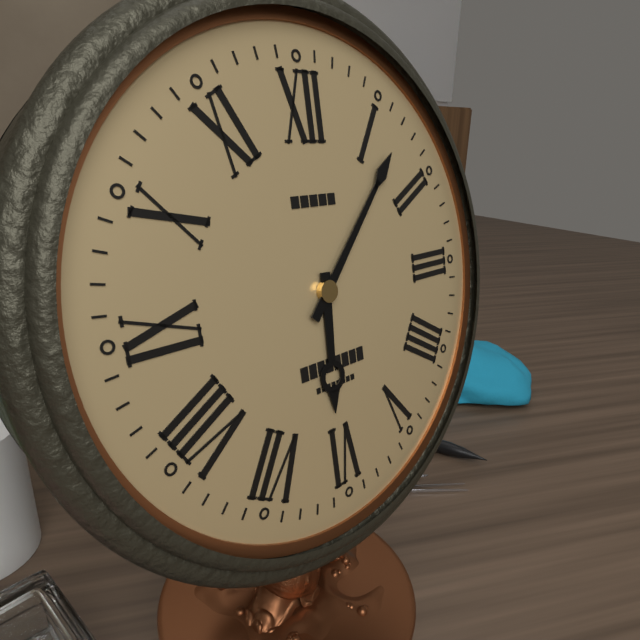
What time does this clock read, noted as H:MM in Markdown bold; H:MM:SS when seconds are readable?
**6:07**
